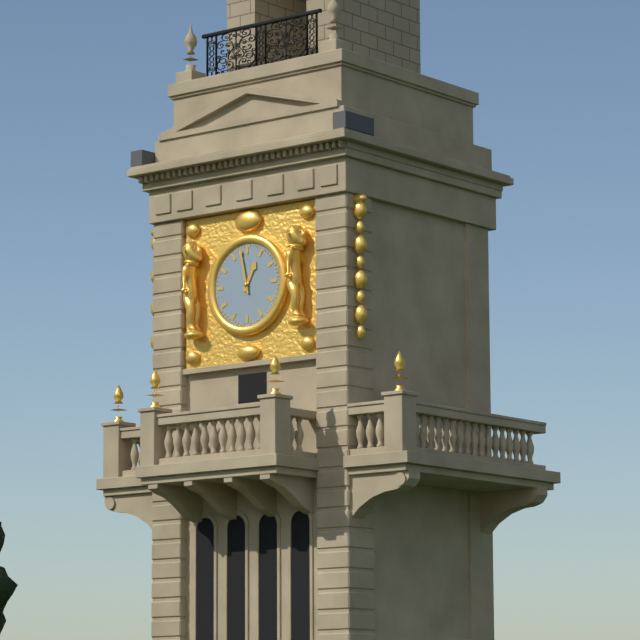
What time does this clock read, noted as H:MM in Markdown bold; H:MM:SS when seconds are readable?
**12:58**
